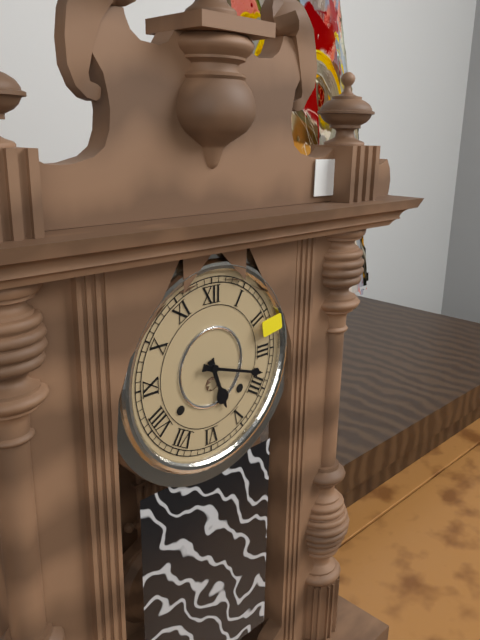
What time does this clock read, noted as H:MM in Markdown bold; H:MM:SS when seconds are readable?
**5:18**
